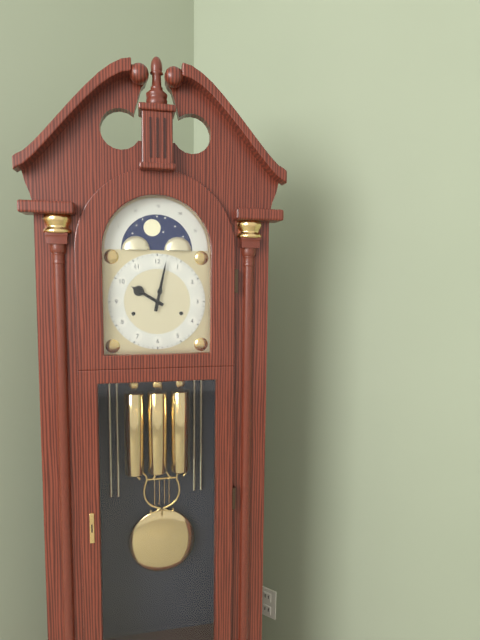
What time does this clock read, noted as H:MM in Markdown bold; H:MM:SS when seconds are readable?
**10:02**
